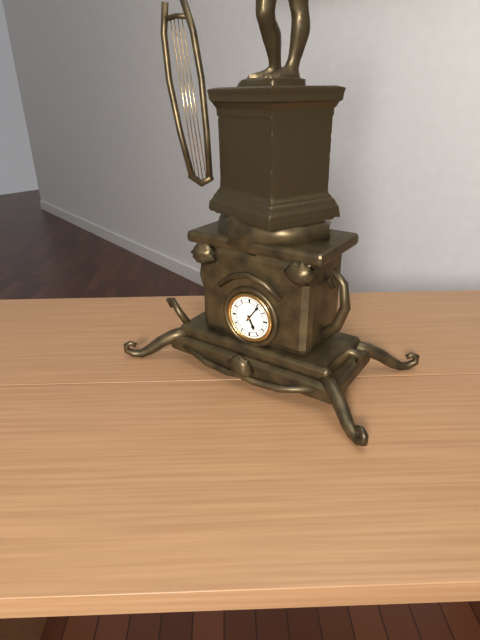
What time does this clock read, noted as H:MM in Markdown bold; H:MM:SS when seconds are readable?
**5:06**
